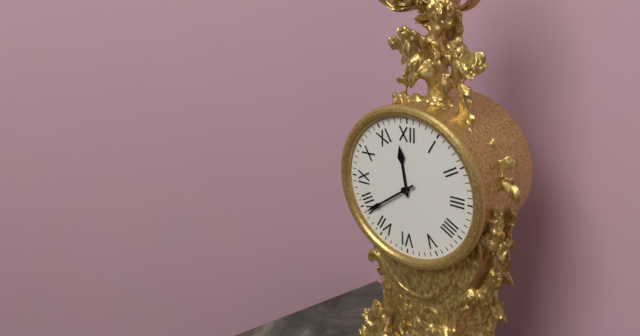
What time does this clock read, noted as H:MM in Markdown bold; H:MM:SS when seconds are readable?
**11:39**
